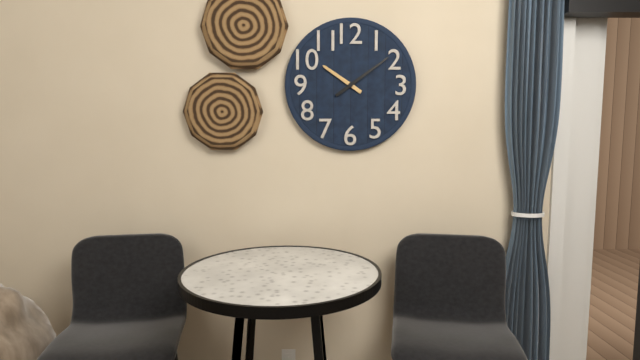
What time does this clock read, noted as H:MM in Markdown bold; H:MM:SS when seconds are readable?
**10:09**
